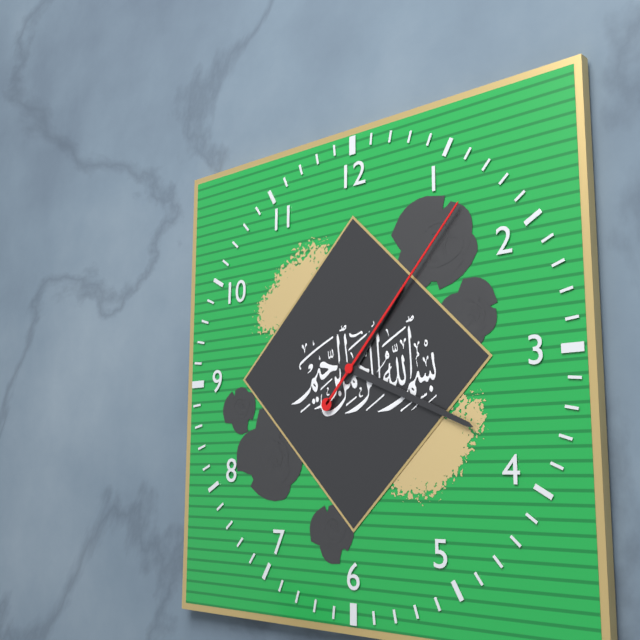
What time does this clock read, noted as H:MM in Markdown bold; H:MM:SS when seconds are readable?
**1:19:07**
